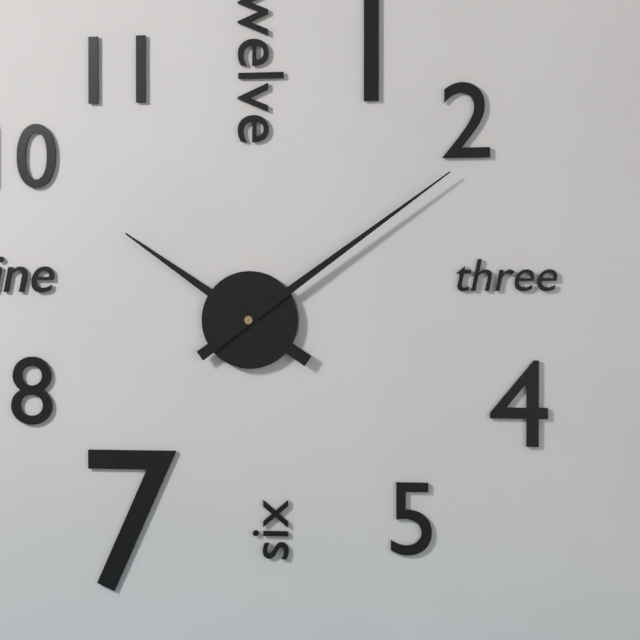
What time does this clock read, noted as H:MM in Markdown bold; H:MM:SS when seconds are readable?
**10:09**
